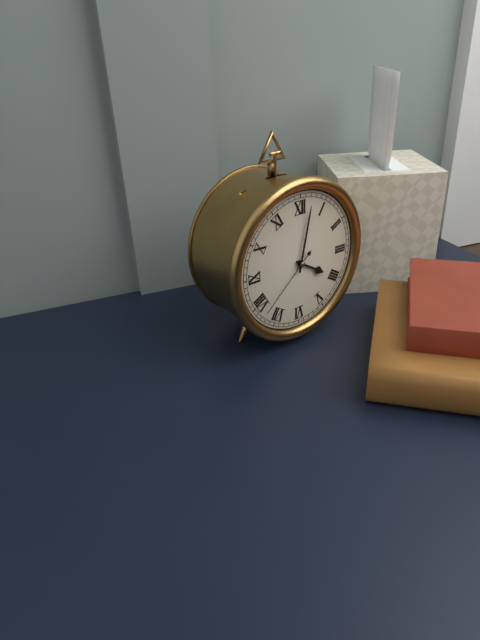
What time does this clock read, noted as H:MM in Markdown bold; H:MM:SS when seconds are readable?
**4:02:38**
